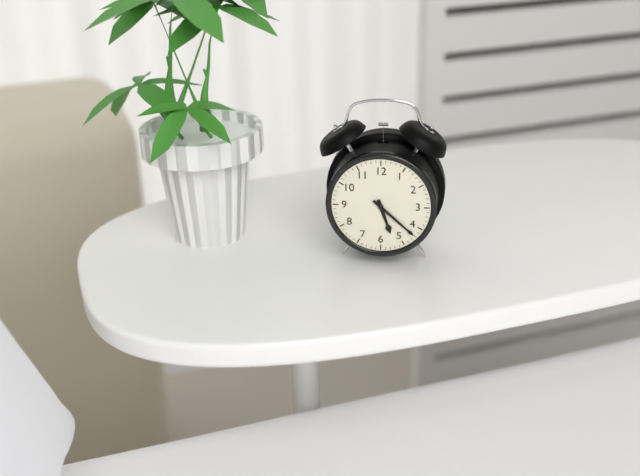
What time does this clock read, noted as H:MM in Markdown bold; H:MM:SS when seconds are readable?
**5:22**
